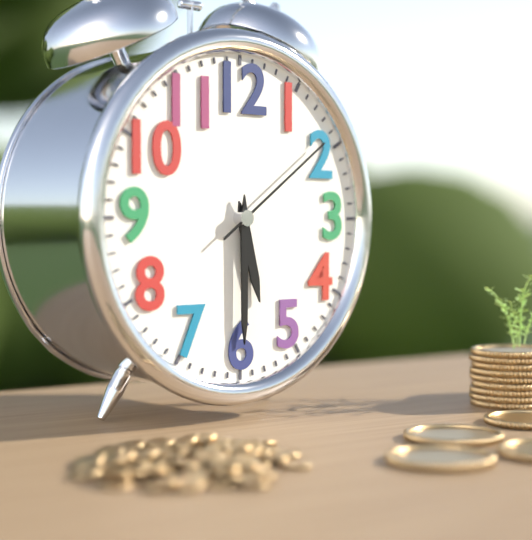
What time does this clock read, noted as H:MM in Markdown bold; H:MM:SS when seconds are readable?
**5:30:09**
